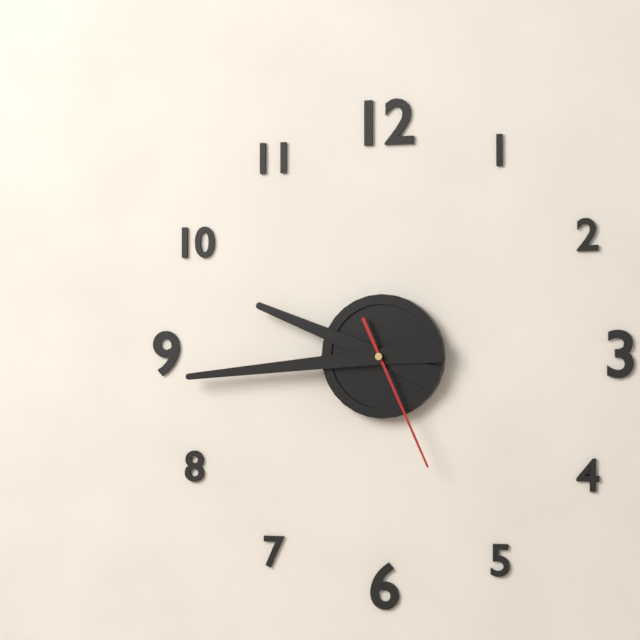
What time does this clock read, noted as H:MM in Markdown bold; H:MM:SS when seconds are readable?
**9:44:26**
